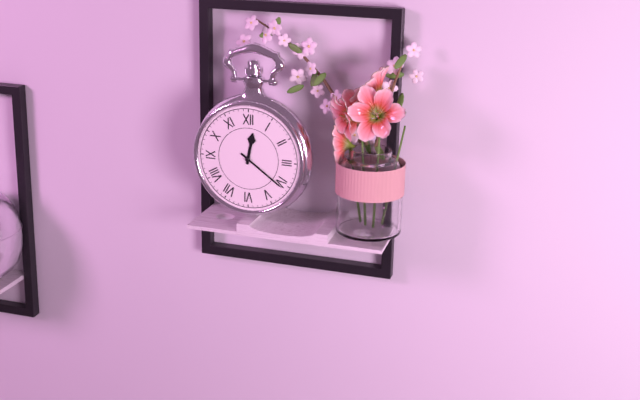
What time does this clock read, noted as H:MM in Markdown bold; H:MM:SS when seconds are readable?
**12:21**
